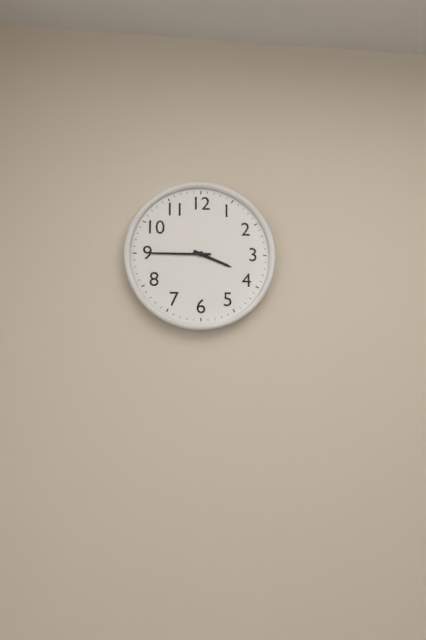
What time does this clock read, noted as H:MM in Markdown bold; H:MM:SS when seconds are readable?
**3:45**
